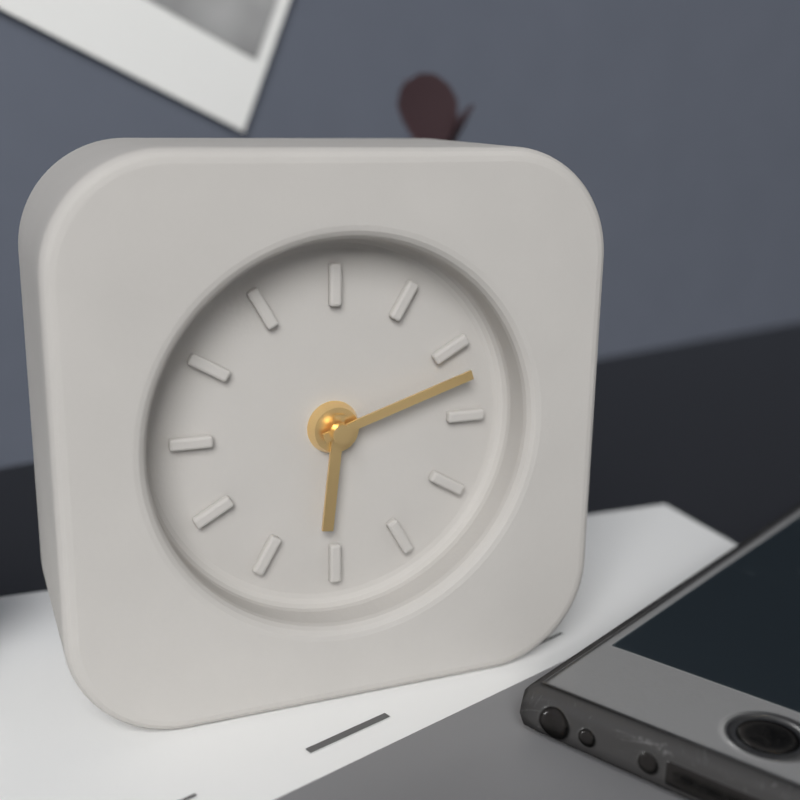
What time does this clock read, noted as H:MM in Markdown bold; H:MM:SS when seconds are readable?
**6:12**
